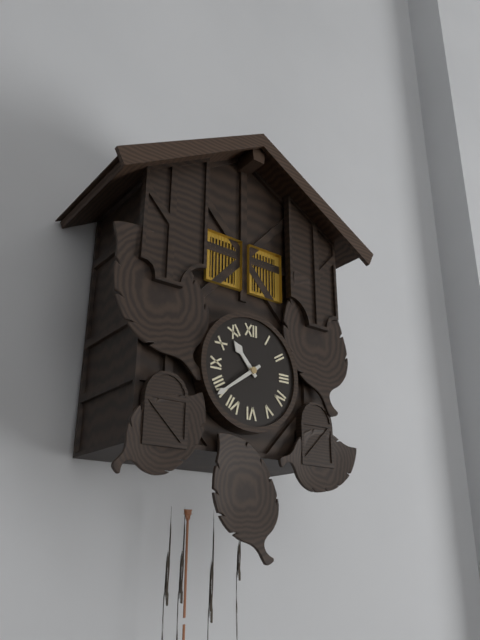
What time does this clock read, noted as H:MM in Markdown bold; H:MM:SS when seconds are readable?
**10:39**
